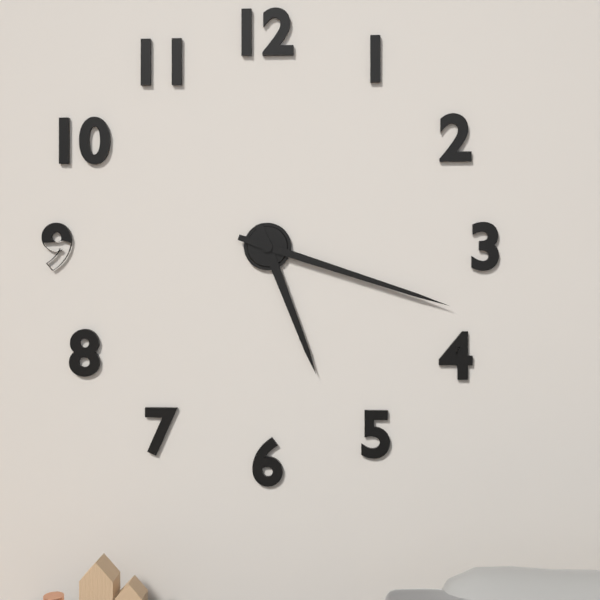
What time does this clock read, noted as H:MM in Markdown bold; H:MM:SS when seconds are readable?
**5:18**
